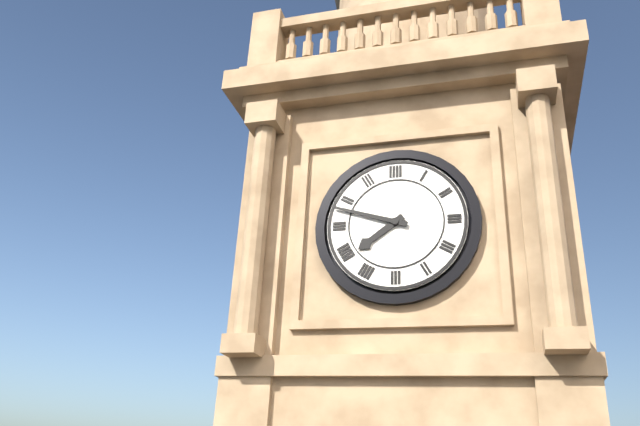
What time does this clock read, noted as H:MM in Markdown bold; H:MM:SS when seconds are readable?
**7:48**
